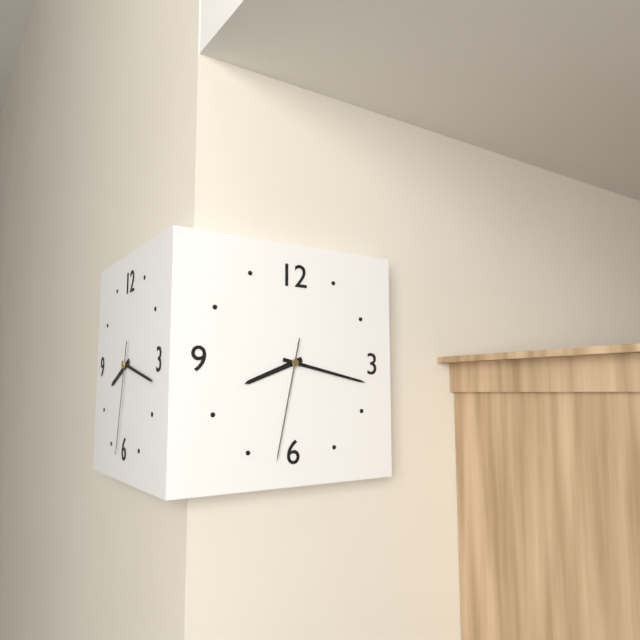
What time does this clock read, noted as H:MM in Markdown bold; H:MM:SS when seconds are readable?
**8:17:32**
